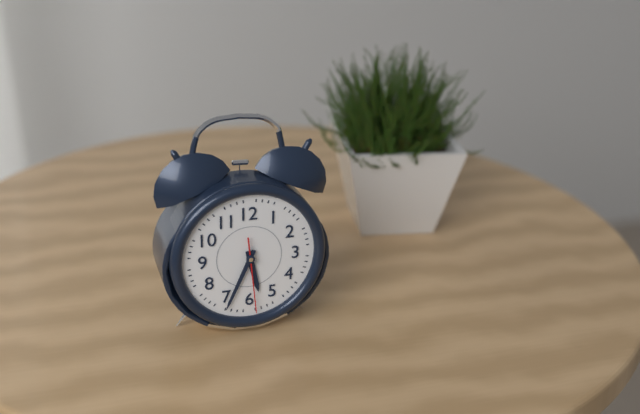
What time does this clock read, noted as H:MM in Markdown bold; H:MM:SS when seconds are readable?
**5:34:29**
